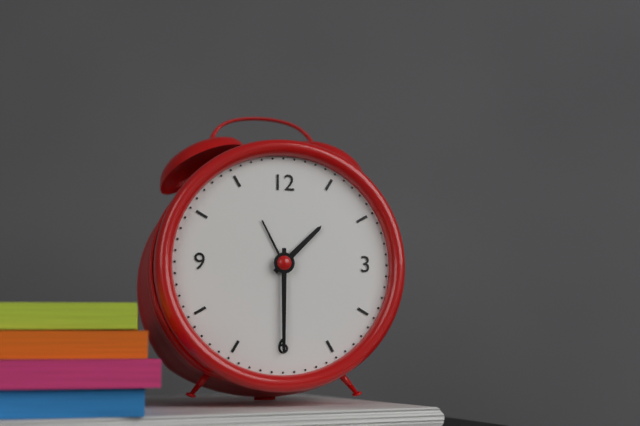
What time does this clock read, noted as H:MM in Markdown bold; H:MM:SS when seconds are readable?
**1:30**
